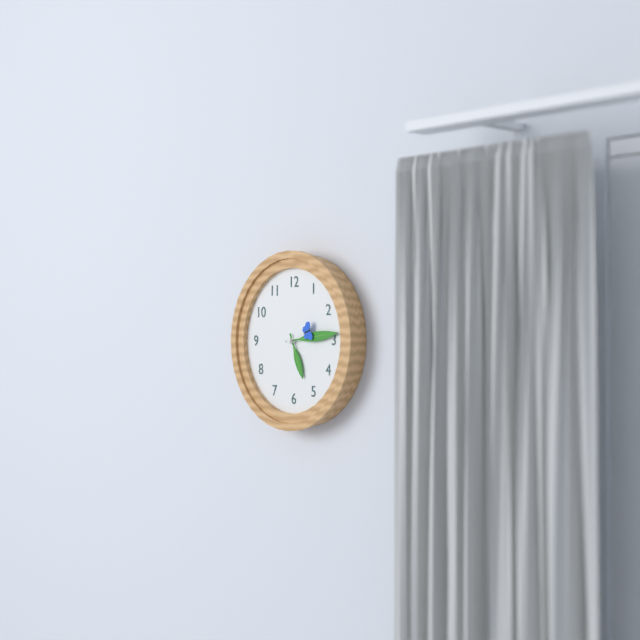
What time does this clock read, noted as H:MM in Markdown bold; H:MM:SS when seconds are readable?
**5:14**
